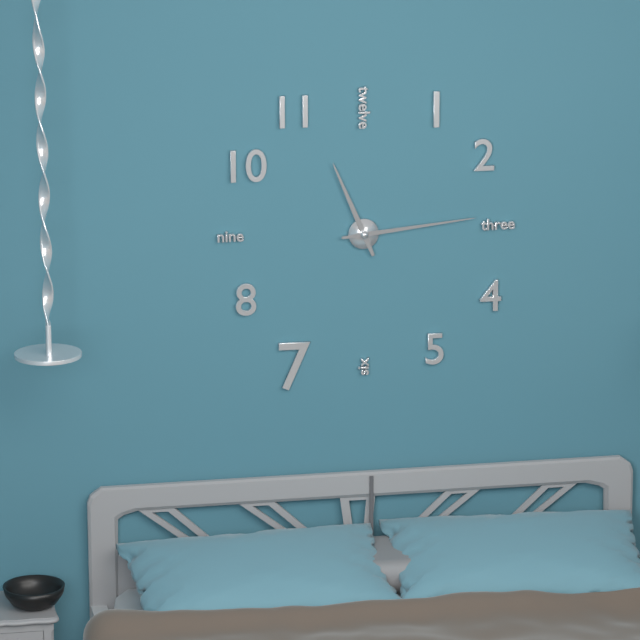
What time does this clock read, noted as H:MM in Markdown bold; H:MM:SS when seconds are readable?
**11:14**
